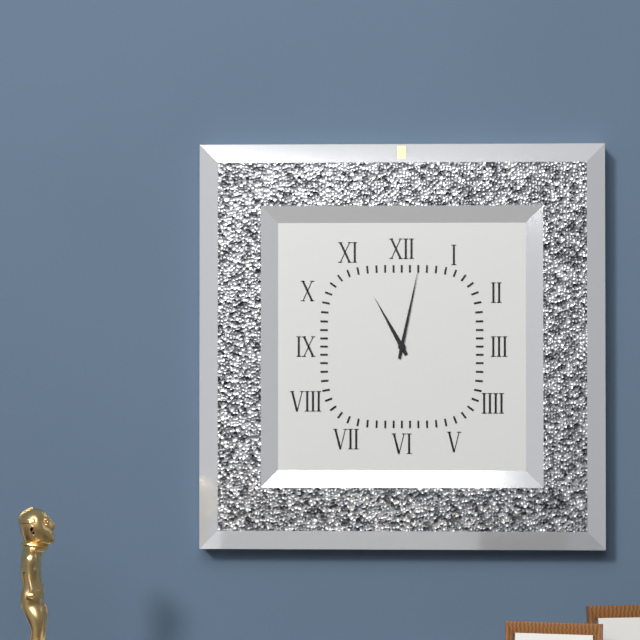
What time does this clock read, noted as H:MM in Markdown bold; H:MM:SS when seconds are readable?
**11:02**
